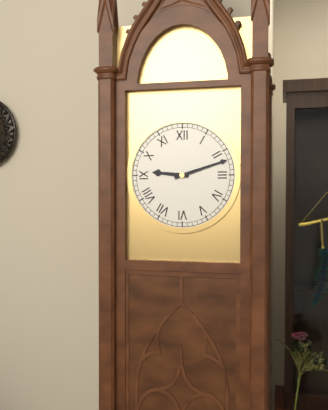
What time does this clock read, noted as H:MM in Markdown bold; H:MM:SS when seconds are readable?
**9:12**
